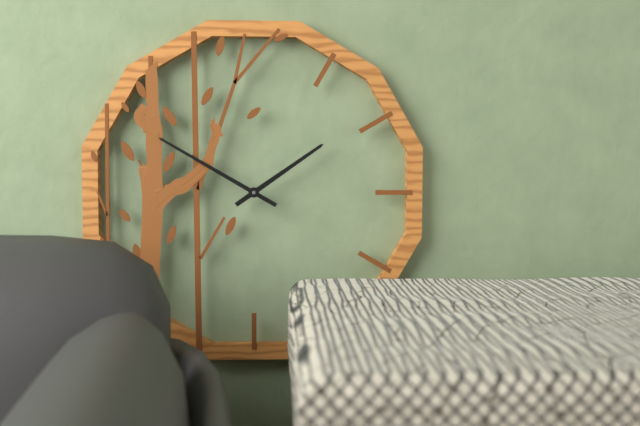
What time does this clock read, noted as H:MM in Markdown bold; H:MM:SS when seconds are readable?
**1:50**
